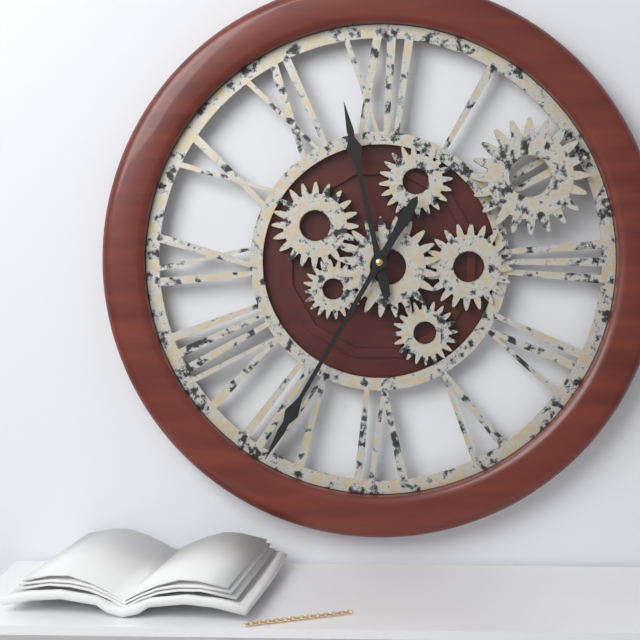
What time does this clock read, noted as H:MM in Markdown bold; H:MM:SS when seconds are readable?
**11:35**
